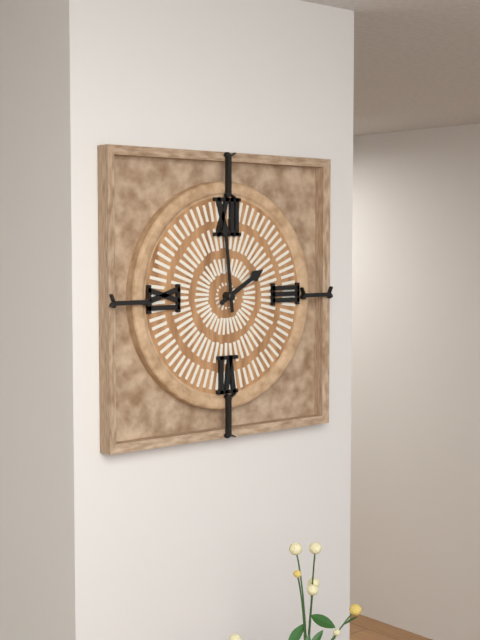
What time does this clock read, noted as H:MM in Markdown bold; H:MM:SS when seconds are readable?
**1:59**
